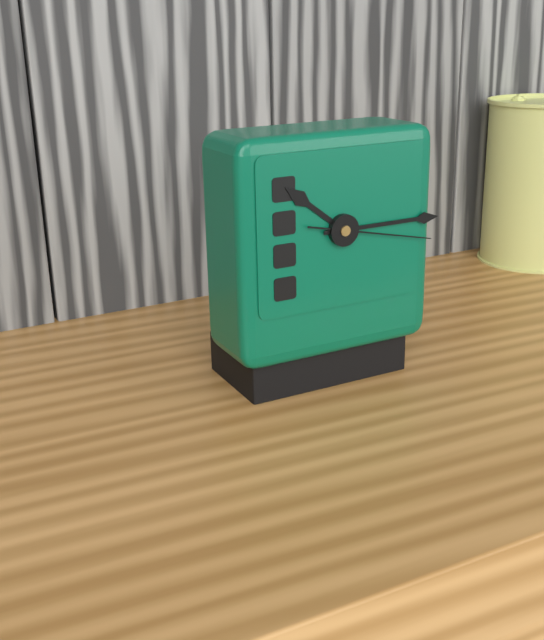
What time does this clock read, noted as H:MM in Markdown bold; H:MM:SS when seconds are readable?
**10:15:17**
